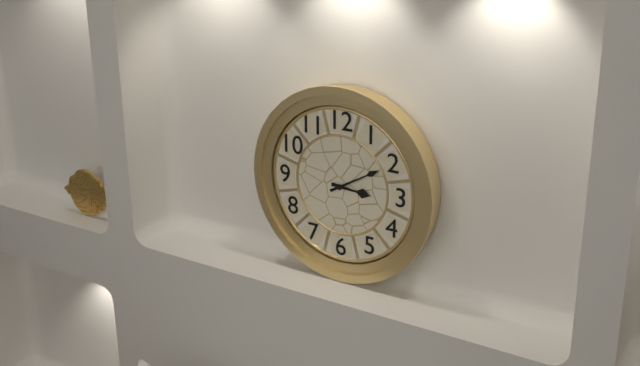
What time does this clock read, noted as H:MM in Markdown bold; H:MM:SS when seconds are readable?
**3:10**
